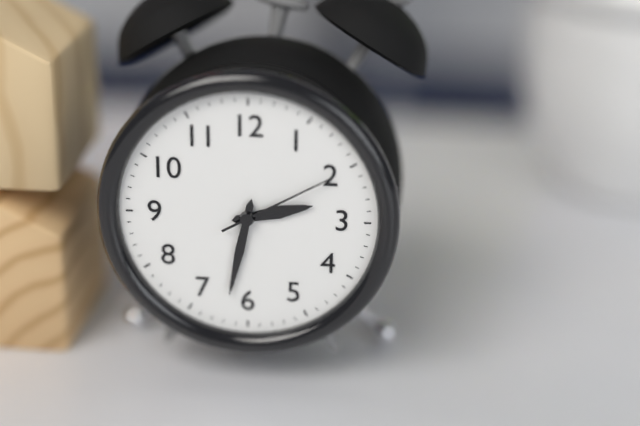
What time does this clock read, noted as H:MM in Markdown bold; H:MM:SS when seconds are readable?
**2:32:10**
